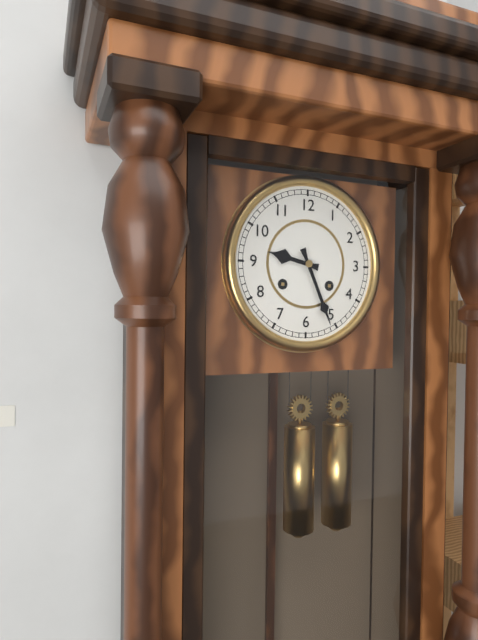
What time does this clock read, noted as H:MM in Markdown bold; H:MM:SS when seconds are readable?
**9:26**
